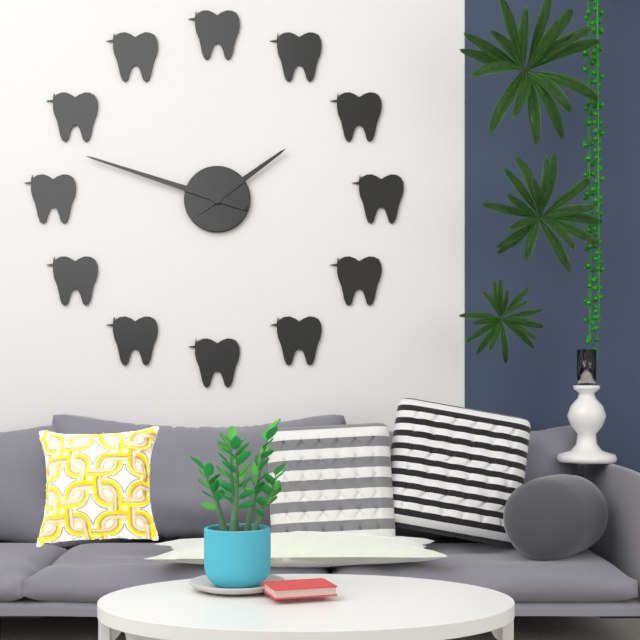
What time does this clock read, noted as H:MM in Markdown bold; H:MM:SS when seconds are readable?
**1:48**
